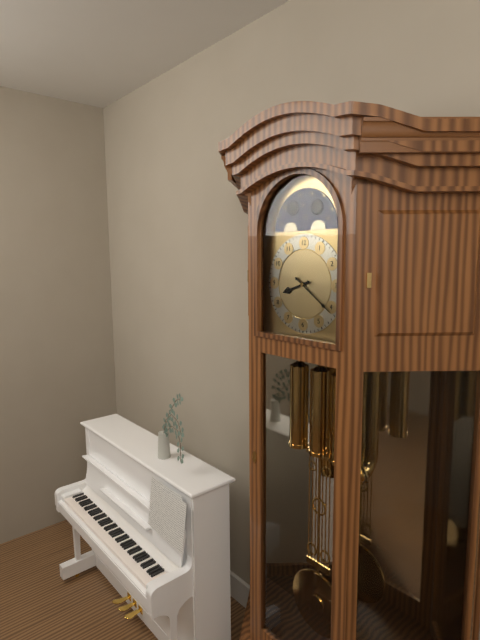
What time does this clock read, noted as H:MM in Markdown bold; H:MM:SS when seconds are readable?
**8:21**
